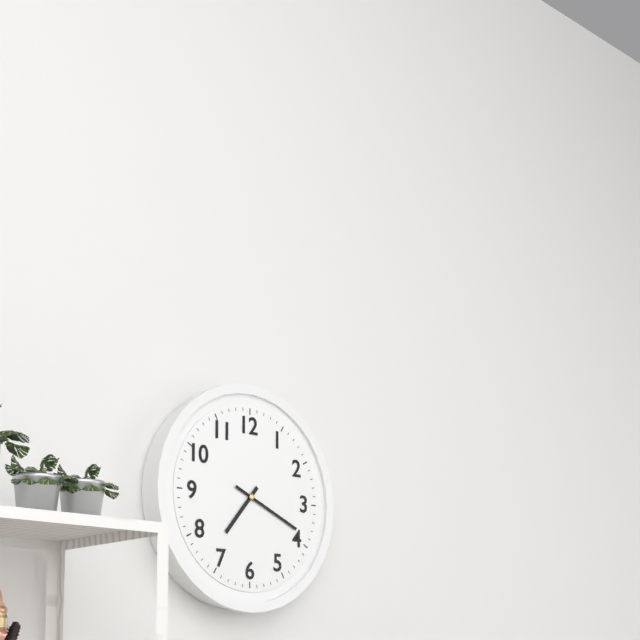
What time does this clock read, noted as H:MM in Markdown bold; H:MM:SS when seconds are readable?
**7:19**
